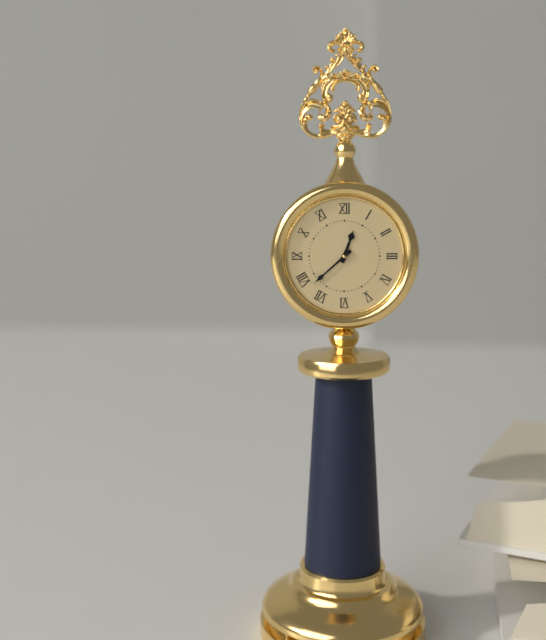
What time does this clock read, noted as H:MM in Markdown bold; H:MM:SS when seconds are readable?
**12:38**
